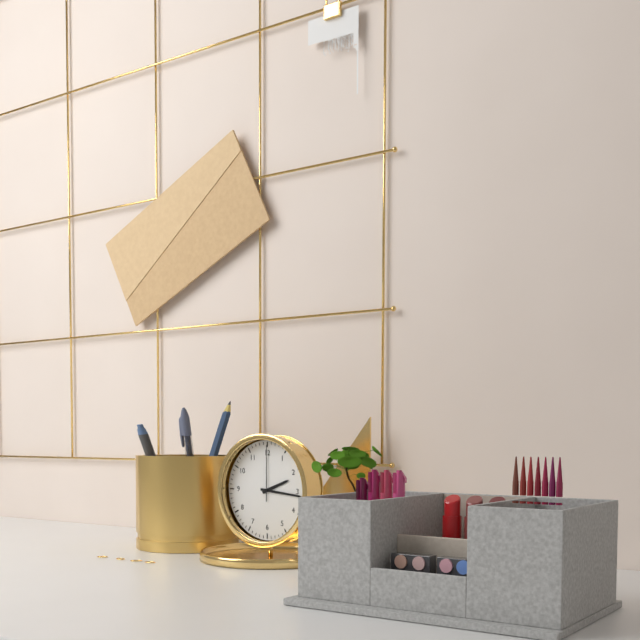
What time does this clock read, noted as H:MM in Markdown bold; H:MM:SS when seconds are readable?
**2:16:00**
